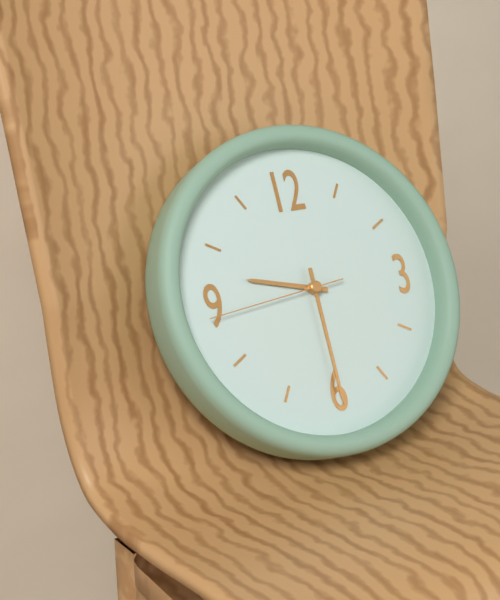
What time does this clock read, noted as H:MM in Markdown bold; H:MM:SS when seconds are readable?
**9:30:44**
